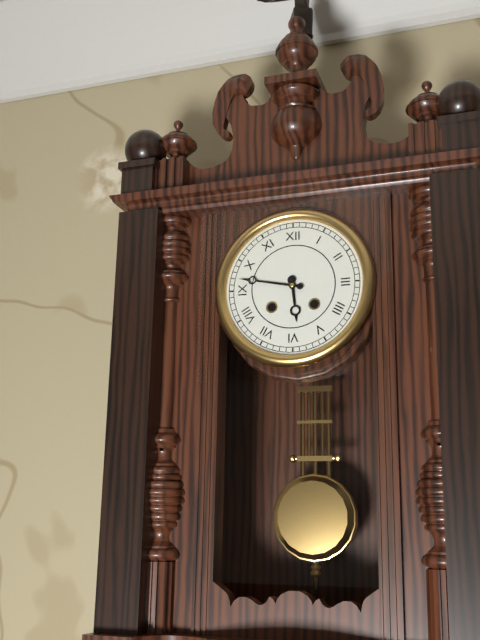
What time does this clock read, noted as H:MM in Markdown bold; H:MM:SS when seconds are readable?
**5:47**
